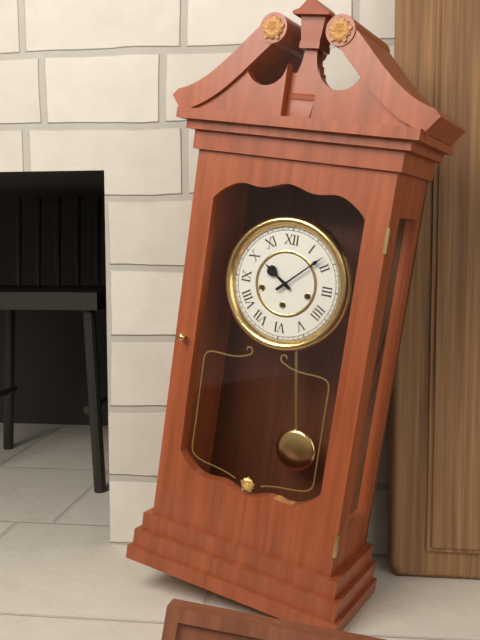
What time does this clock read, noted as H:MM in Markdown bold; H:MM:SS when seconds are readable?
**10:08**
